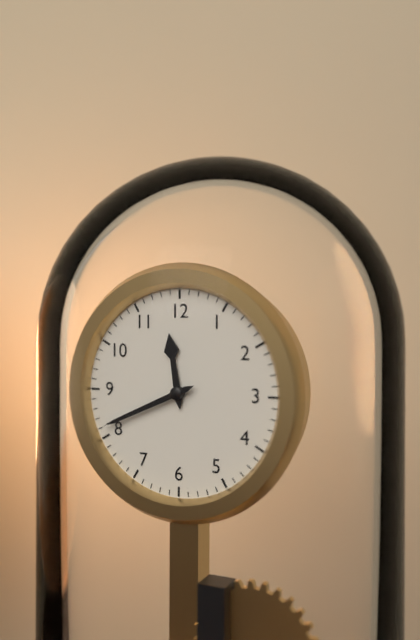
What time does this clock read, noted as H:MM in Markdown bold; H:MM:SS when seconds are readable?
**11:41**
